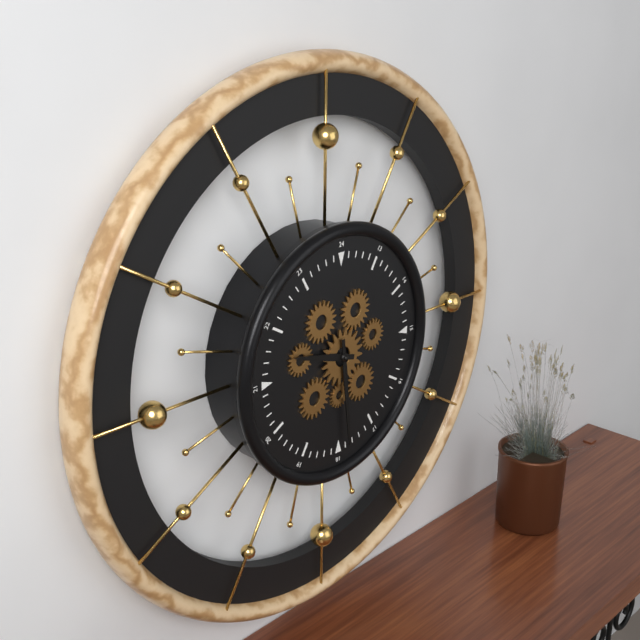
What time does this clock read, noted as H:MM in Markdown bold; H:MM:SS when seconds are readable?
**9:29**
